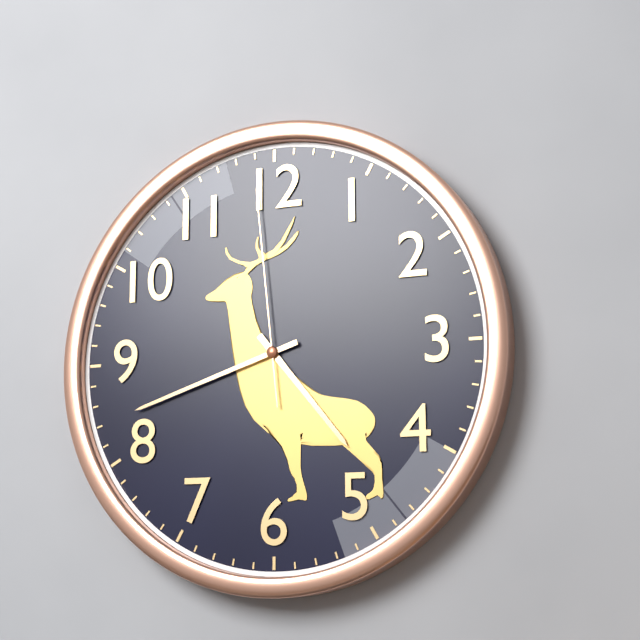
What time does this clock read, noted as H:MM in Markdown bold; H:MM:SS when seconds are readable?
**4:42:59**
